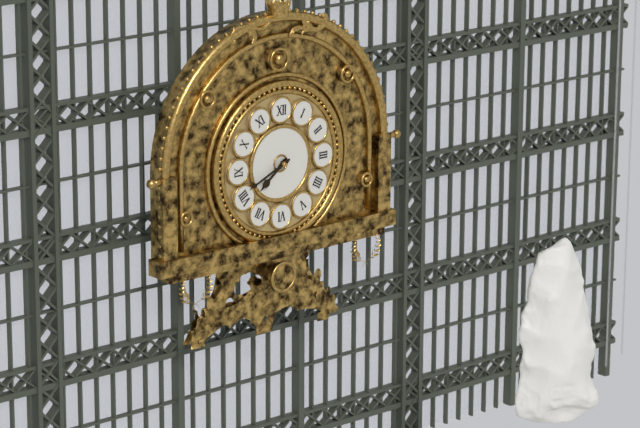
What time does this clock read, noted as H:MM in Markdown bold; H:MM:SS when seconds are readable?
**7:41**
